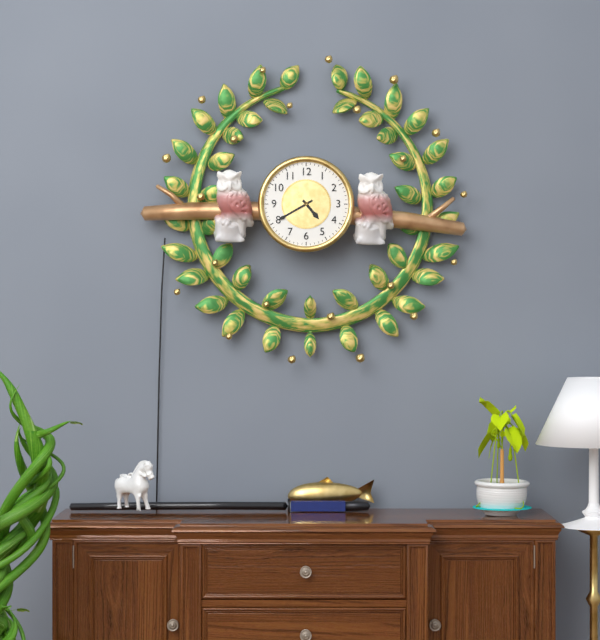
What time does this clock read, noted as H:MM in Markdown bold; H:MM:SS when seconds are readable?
**4:40**
